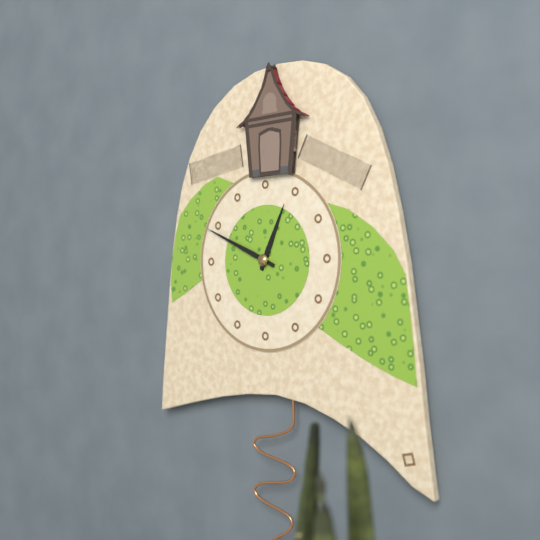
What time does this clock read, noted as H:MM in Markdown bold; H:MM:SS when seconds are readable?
**12:49**
